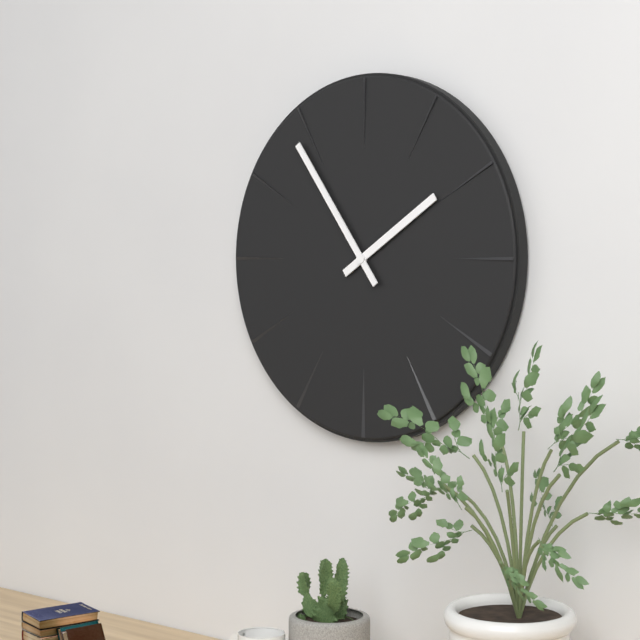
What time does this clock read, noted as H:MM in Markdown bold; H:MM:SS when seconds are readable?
**1:54**
